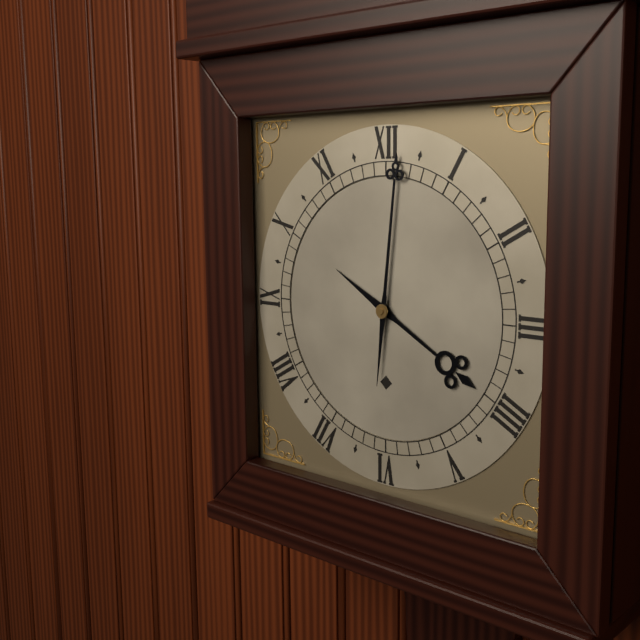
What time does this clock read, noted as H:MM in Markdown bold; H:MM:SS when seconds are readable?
**4:01**
